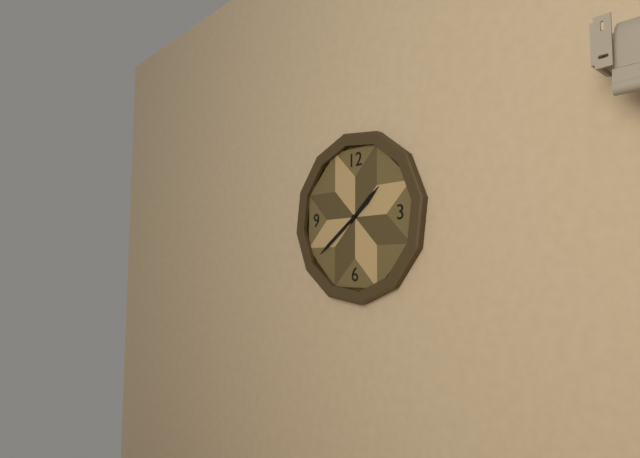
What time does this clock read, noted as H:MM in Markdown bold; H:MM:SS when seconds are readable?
**1:39**
